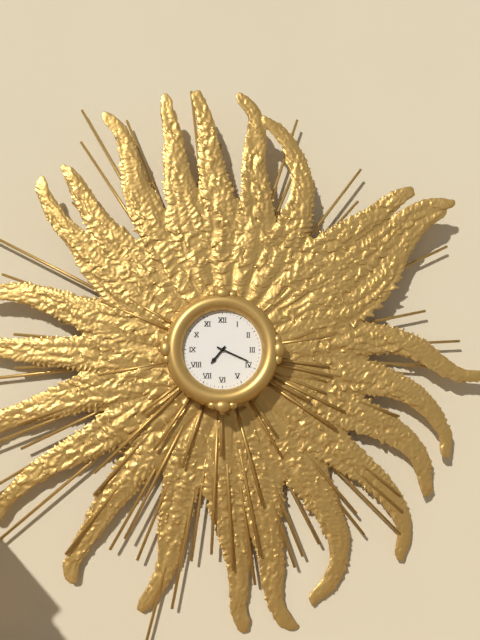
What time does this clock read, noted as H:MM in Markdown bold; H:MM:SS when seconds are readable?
**7:19**
